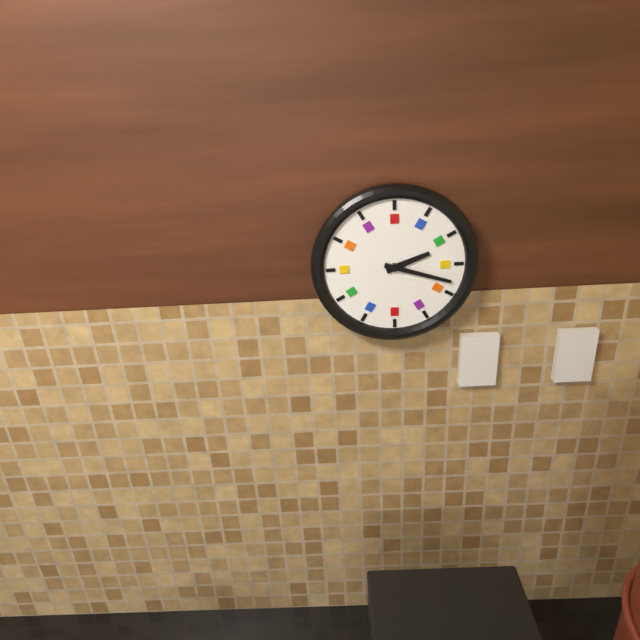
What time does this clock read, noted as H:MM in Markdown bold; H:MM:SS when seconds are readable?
**2:18**
